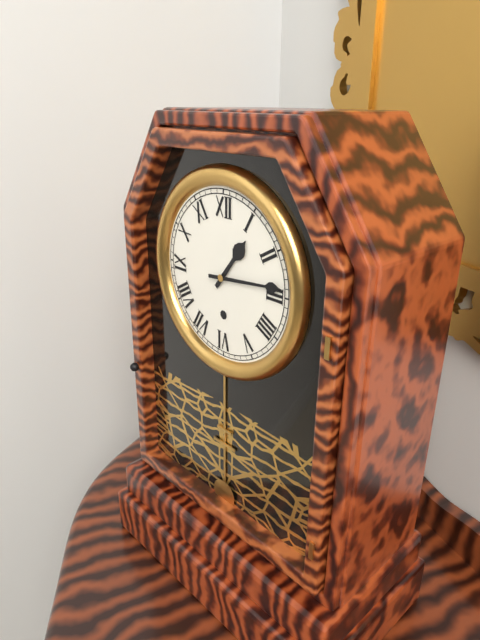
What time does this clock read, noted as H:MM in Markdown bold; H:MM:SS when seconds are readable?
**1:14**
